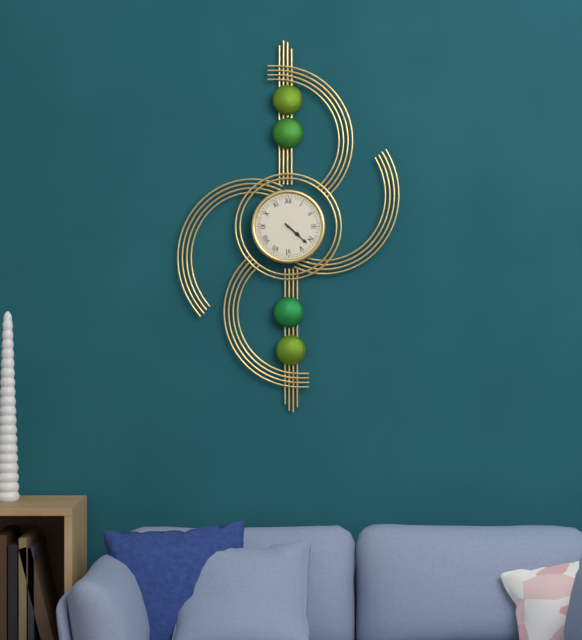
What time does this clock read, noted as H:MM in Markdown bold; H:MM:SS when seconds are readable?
**4:22**
